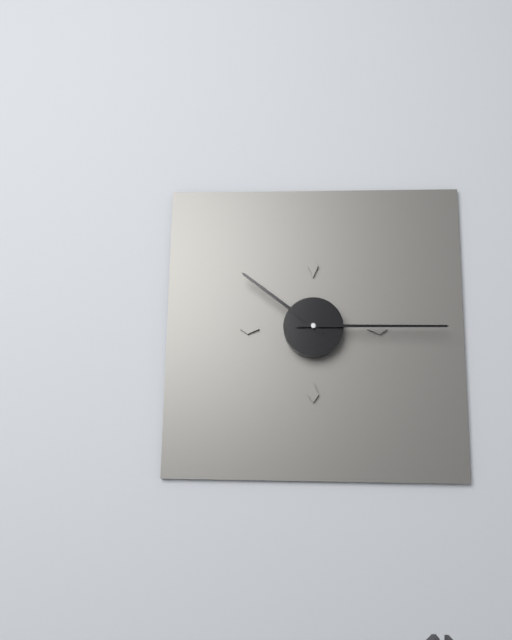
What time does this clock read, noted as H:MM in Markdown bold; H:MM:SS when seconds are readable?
**10:15**
